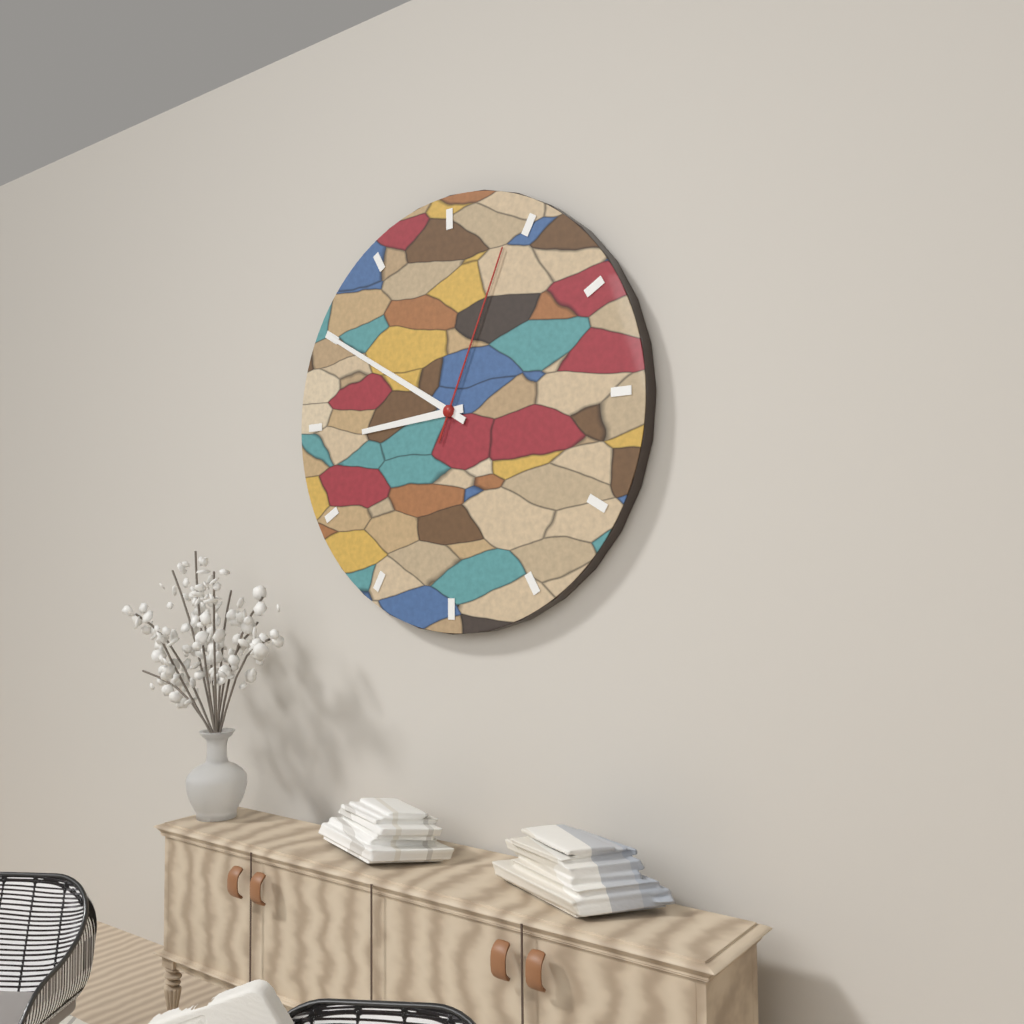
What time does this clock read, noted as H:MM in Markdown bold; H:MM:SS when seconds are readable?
**8:50:04**
